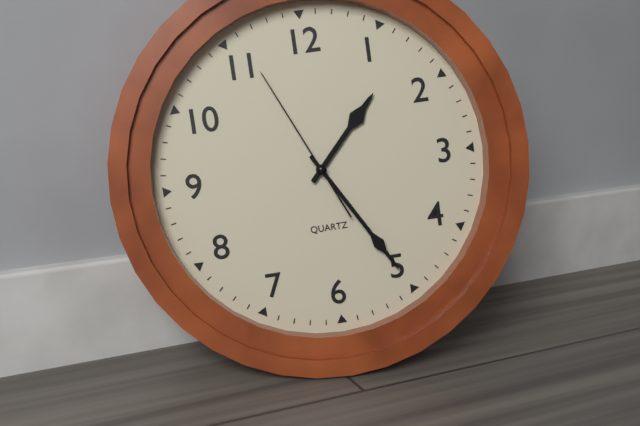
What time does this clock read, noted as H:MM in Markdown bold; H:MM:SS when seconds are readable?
**1:25:56**
